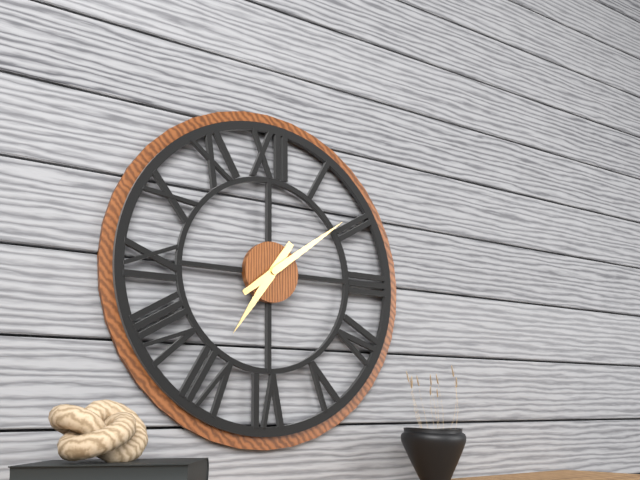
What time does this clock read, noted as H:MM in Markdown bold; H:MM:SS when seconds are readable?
**7:09**
